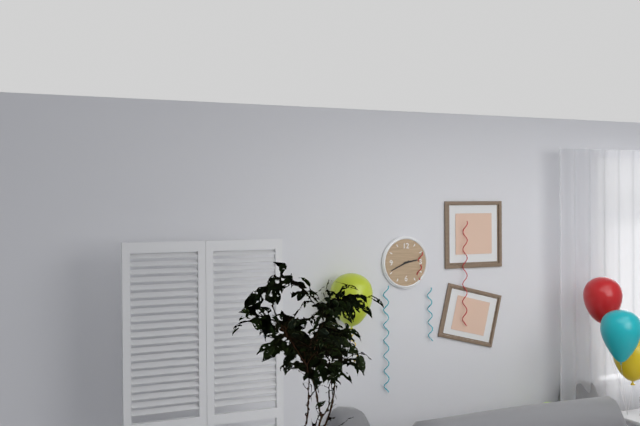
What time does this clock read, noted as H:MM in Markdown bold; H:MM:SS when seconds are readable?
**2:41**
